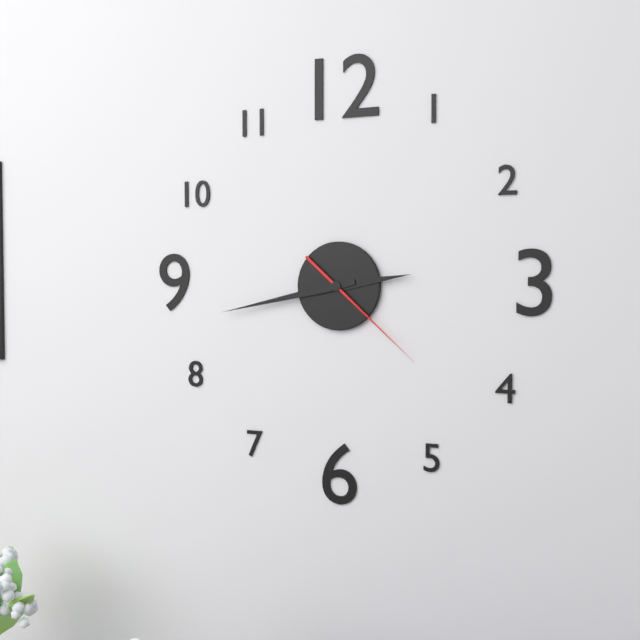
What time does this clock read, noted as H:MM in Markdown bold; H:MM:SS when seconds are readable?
**2:43:22**
